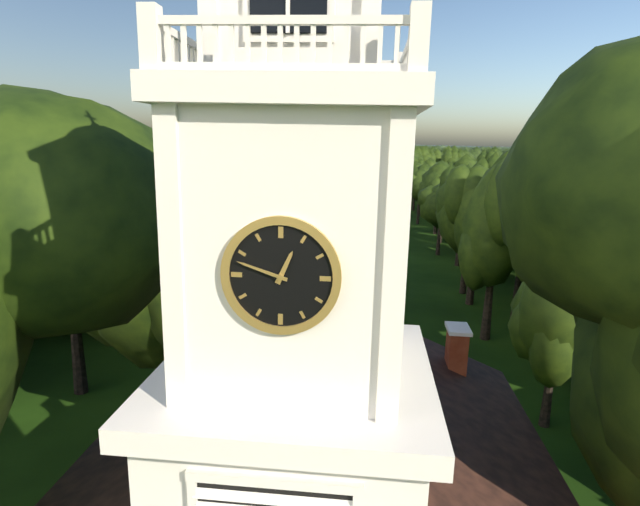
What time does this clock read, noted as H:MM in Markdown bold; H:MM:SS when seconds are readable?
**12:48**
